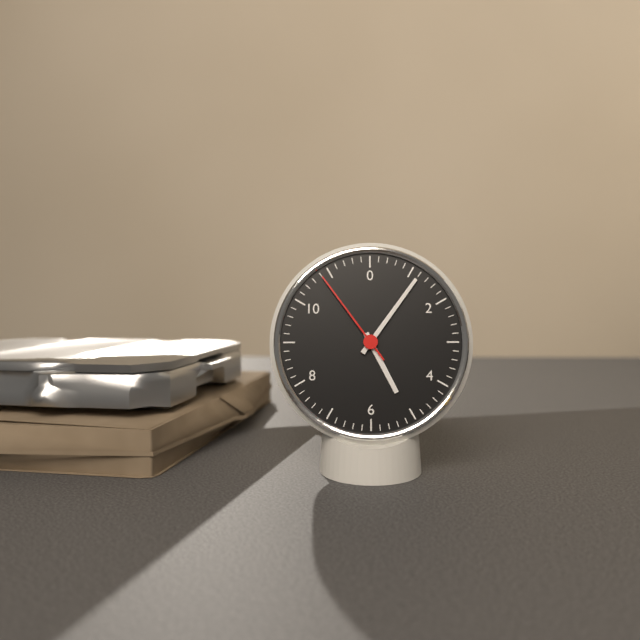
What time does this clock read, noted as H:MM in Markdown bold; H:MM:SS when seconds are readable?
**5:06:54**
